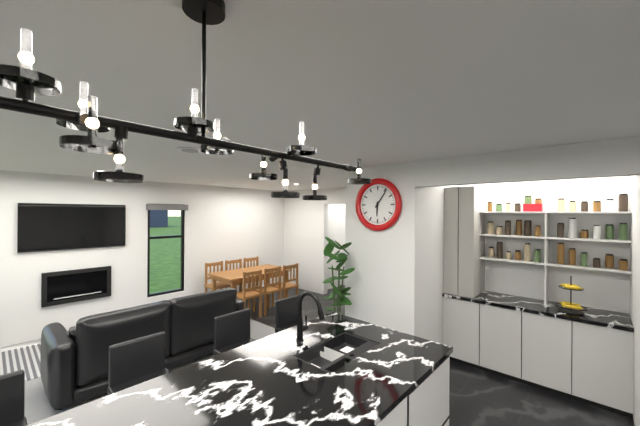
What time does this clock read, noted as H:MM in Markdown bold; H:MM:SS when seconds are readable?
**6:06**
